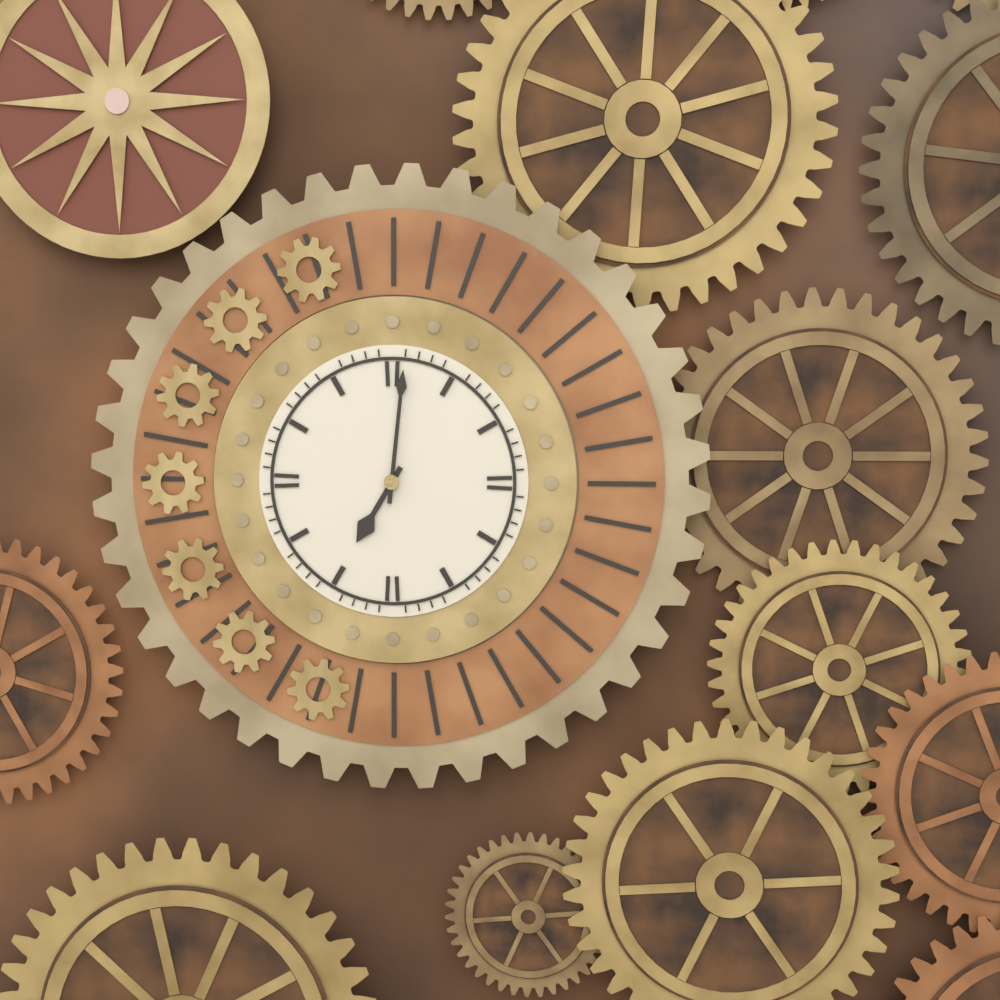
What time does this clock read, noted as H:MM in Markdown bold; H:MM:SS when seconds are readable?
**7:01**
